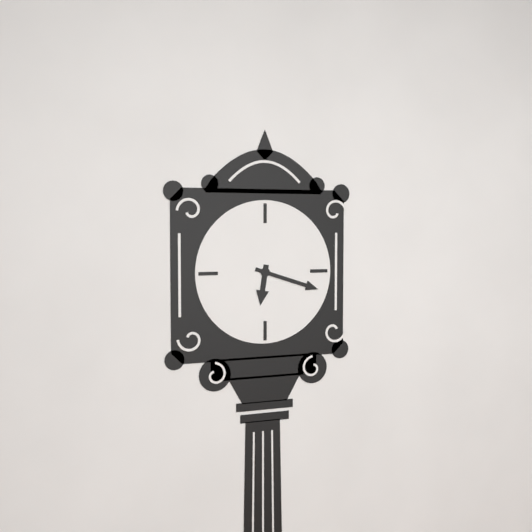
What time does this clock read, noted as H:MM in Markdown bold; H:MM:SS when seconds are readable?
**6:18**
